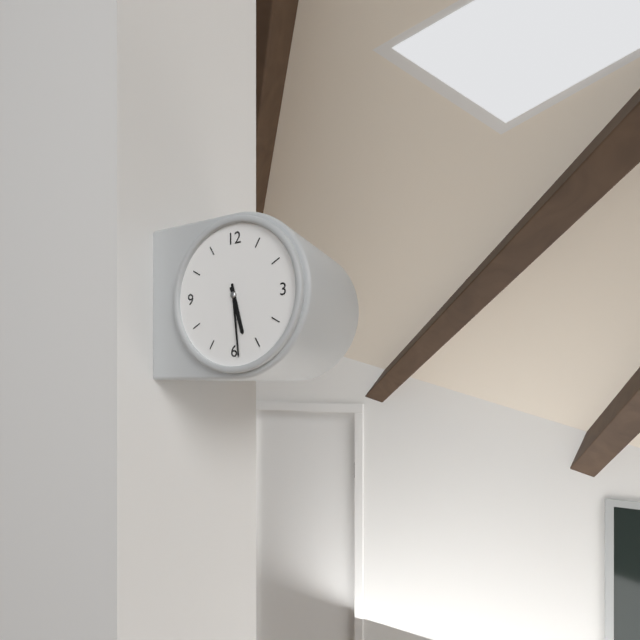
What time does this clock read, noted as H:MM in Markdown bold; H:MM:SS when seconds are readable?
**5:29**
